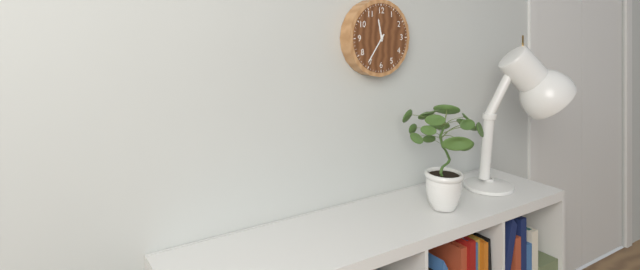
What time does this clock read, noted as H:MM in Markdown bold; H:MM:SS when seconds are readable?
**11:36**
